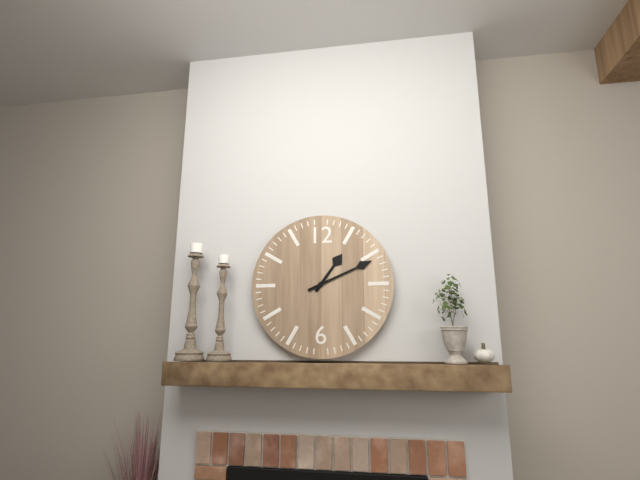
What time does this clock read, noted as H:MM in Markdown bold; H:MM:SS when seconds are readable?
**1:11**
